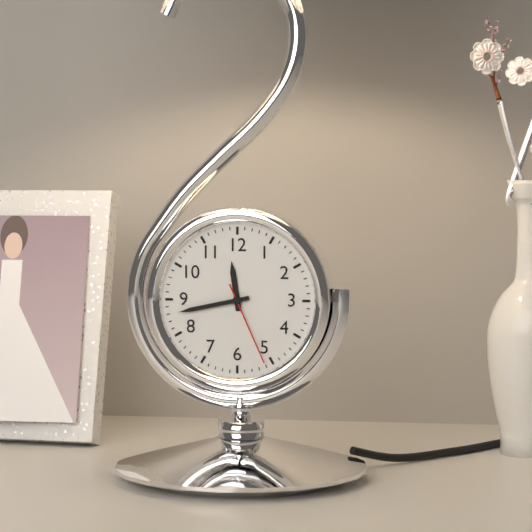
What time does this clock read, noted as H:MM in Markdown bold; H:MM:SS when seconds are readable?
**11:43:26**
